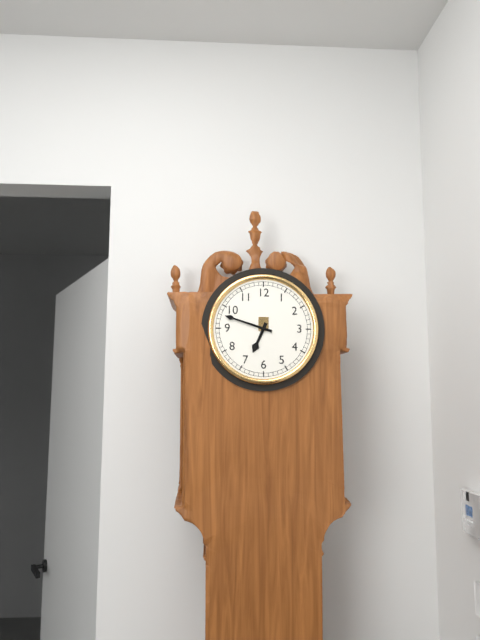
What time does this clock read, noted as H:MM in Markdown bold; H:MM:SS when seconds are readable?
**6:48**
